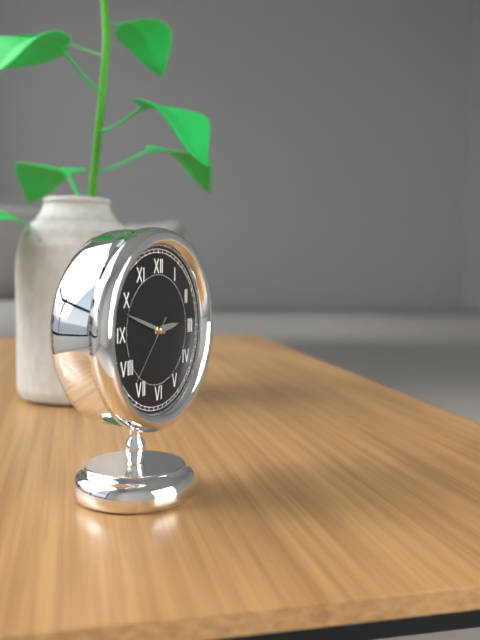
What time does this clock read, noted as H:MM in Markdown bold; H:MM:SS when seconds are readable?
**2:48:37**
